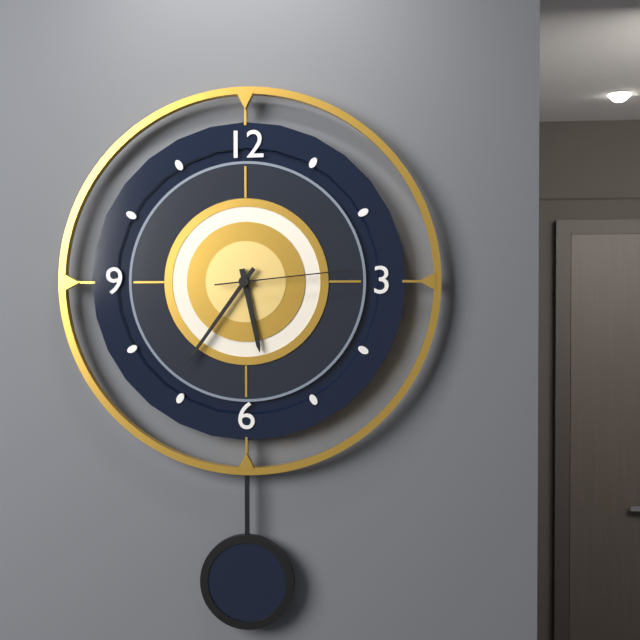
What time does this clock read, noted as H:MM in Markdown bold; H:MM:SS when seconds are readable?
**5:36:14**
